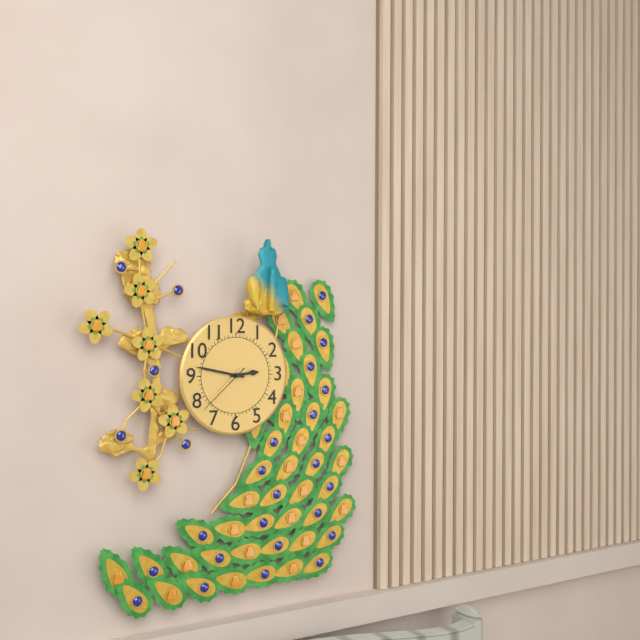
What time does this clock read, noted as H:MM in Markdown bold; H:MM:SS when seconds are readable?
**2:47:38**
